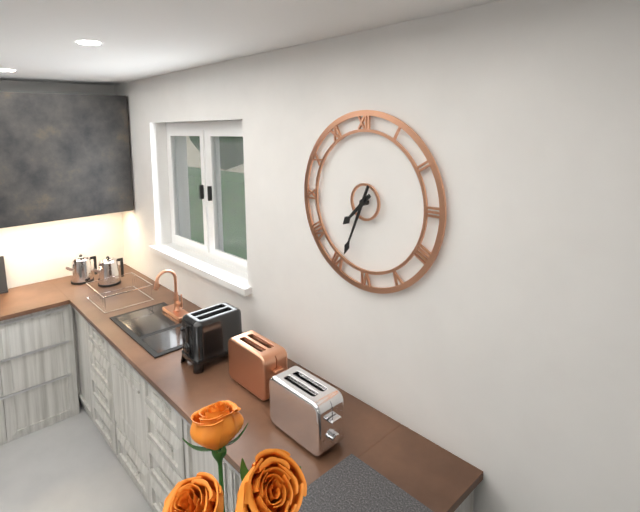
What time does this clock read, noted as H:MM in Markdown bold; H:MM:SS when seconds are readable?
**7:34**
